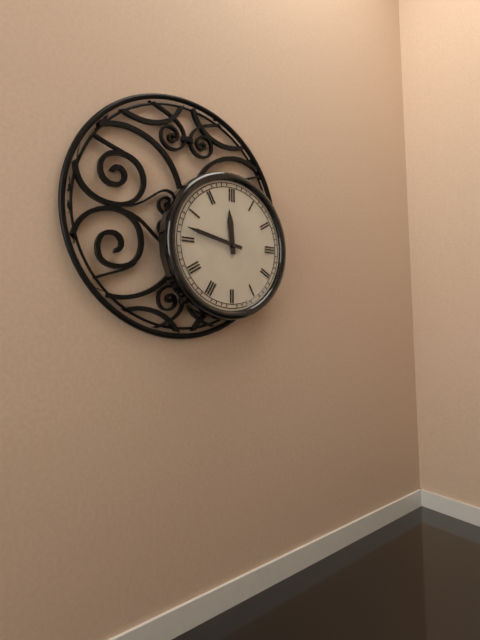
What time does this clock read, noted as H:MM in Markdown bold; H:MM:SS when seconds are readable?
**11:47**
